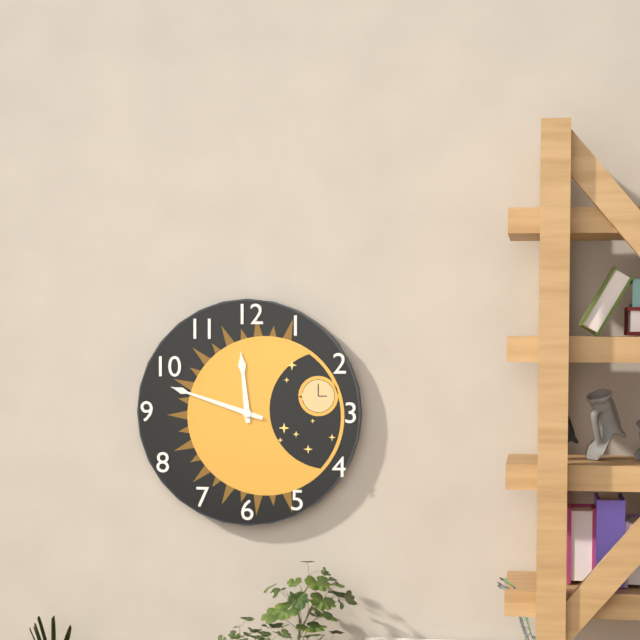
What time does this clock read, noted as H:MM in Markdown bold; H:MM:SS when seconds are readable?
**11:48**
